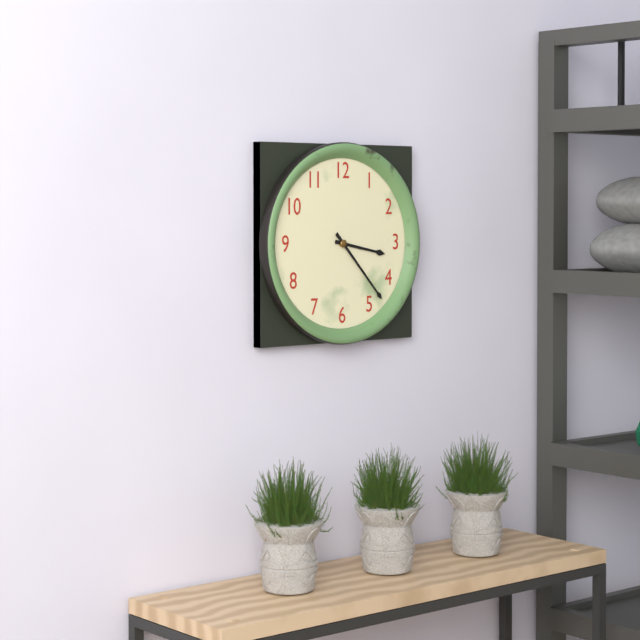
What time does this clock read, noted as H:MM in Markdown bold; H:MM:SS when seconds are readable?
**3:23**
